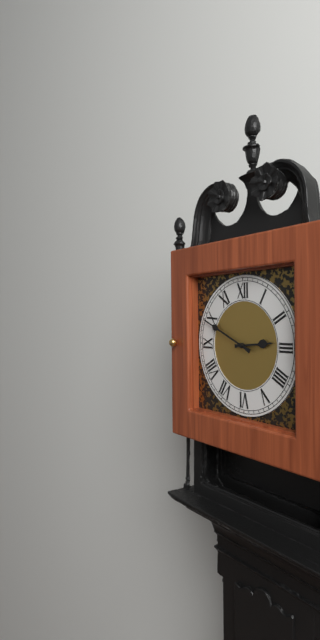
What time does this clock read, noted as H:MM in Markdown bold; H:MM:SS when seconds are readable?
**2:49**
